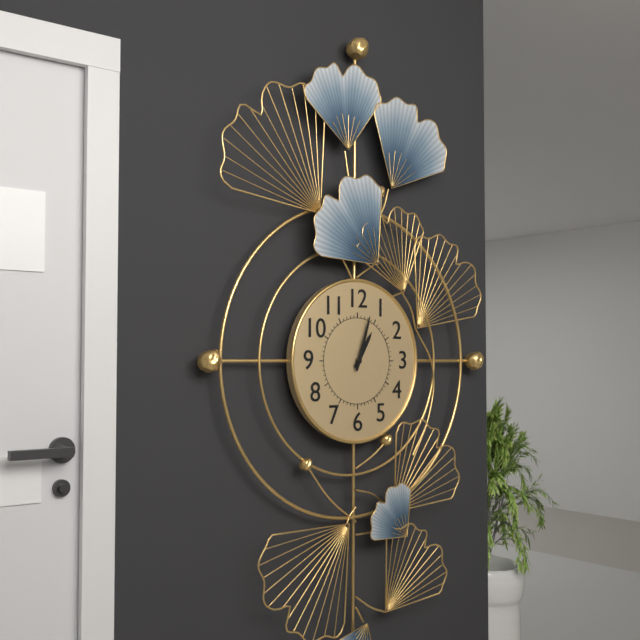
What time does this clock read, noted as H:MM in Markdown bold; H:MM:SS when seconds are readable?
**1:03**
